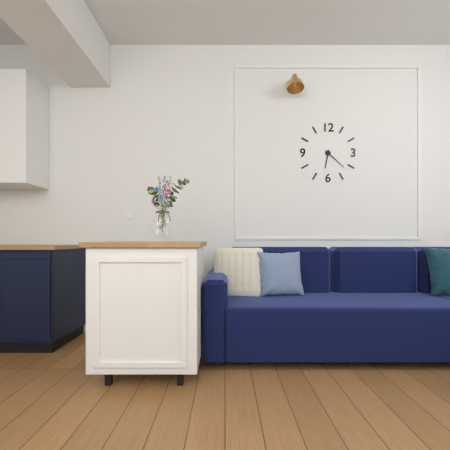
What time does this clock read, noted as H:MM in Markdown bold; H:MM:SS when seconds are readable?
**6:22**
